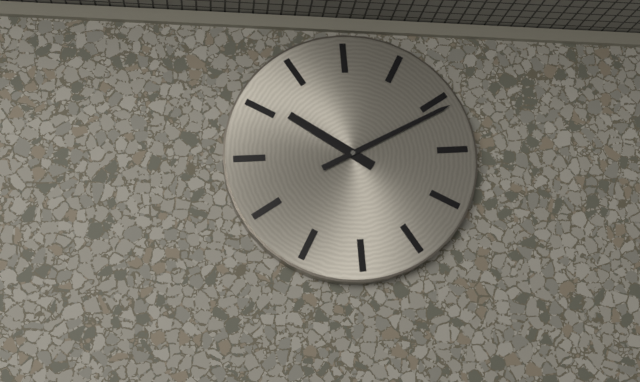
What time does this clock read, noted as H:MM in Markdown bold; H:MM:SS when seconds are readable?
**10:11**
